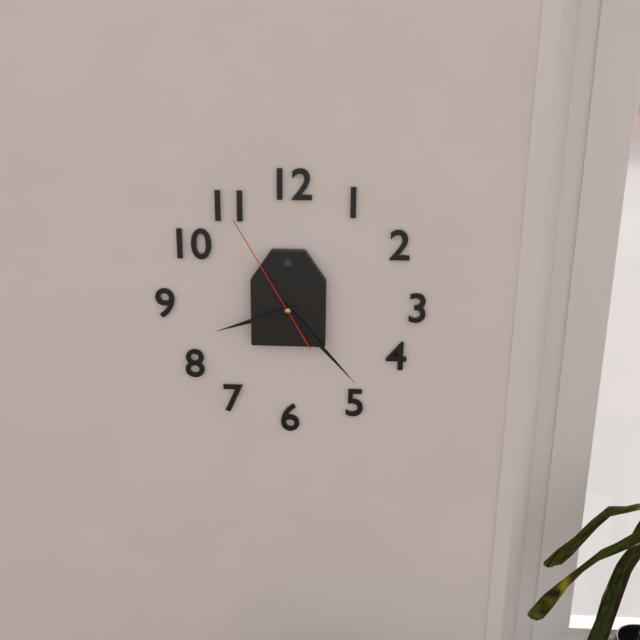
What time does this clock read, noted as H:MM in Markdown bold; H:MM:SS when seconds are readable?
**8:23:55**
